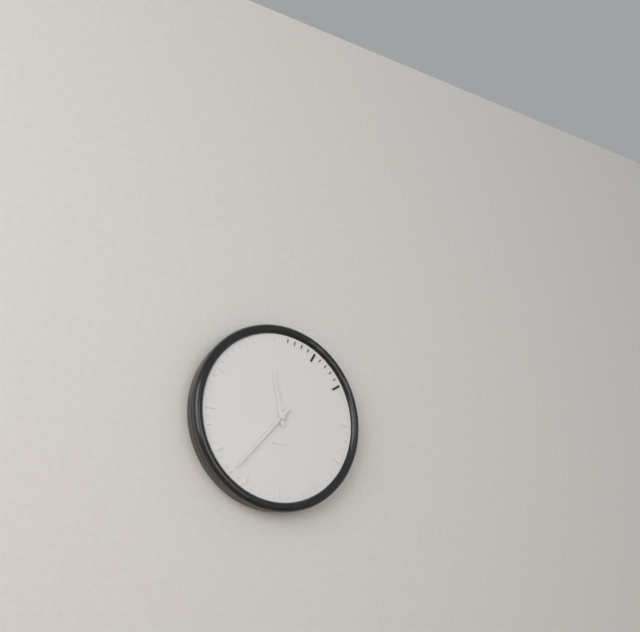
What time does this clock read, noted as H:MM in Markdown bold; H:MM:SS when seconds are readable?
**11:37**
